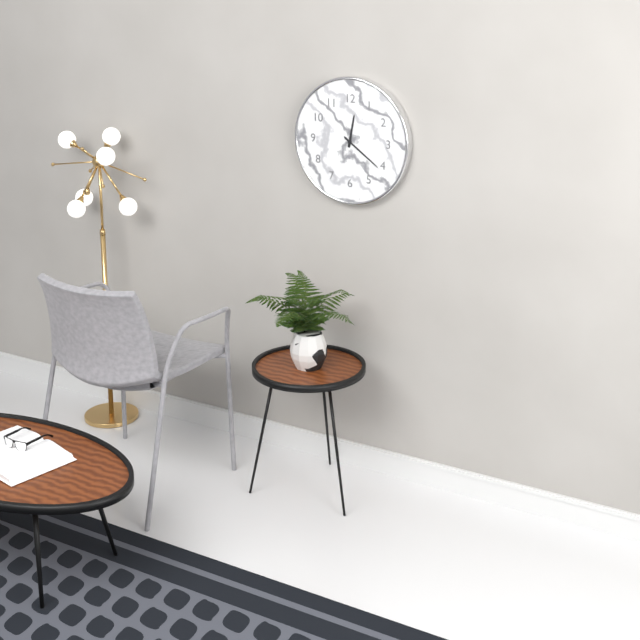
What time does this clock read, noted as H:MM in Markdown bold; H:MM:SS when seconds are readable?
**12:21**
